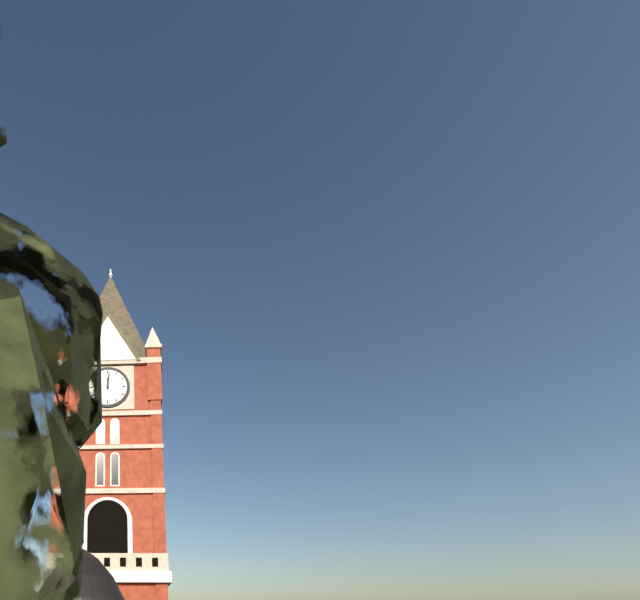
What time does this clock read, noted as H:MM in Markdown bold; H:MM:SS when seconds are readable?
**12:01**
